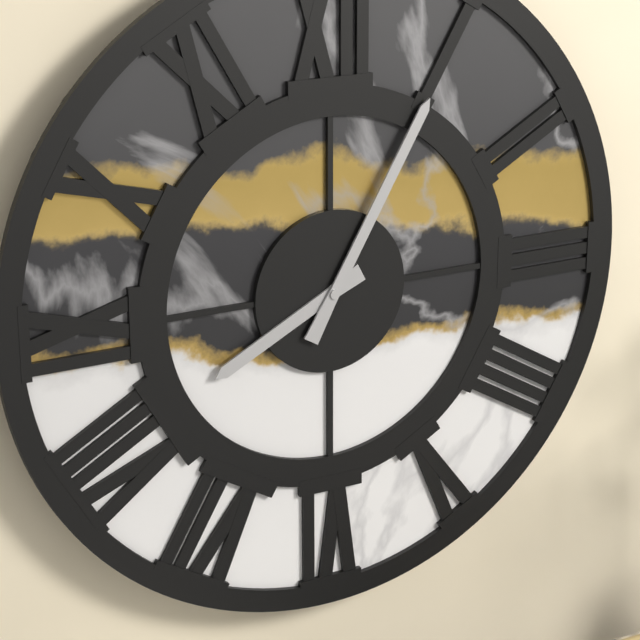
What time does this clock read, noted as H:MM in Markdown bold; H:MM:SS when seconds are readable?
**8:05**
